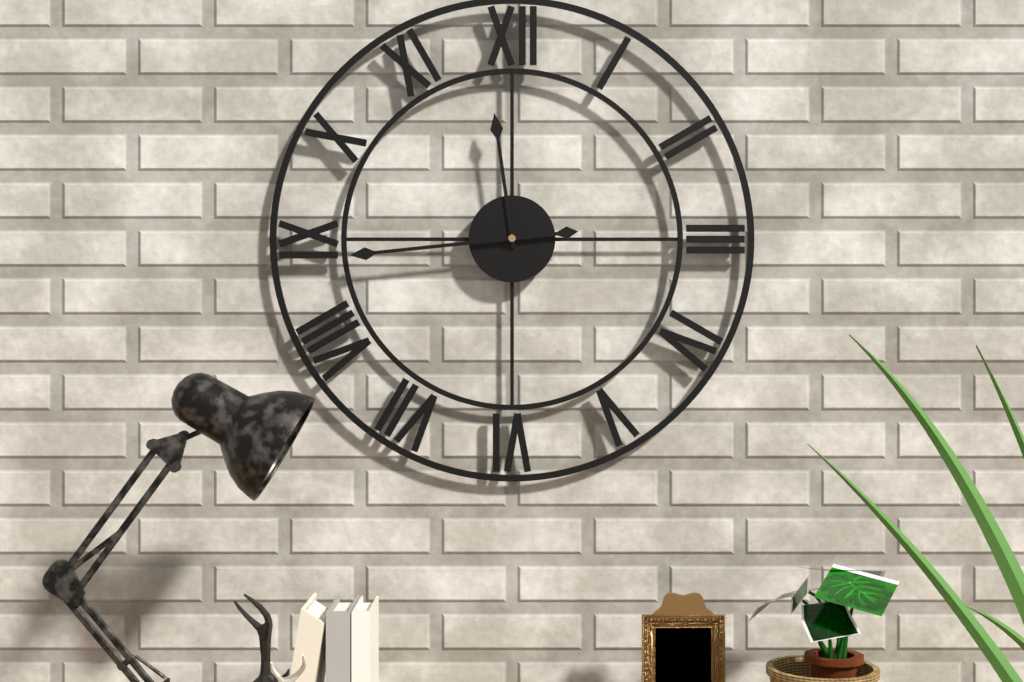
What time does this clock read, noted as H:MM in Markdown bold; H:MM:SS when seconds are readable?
**11:44**
